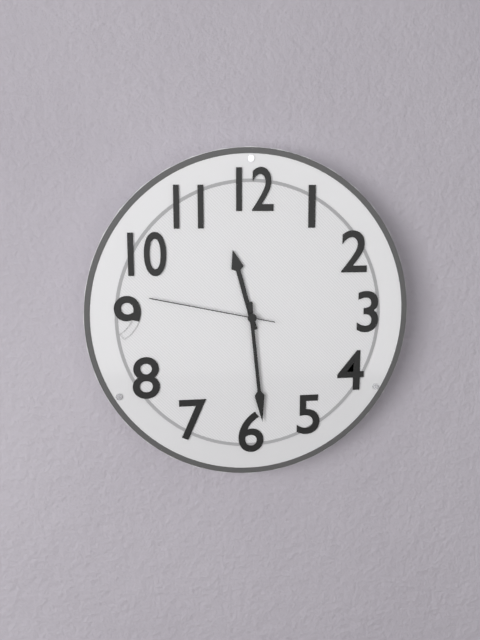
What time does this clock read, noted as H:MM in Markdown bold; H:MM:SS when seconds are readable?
**11:29:47**
